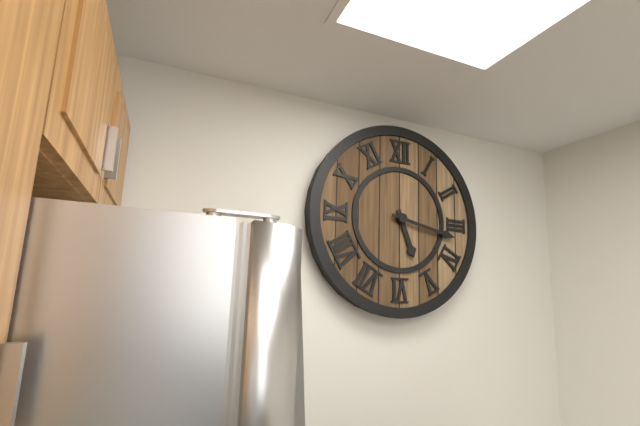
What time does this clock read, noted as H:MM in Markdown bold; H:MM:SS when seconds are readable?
**5:17**
